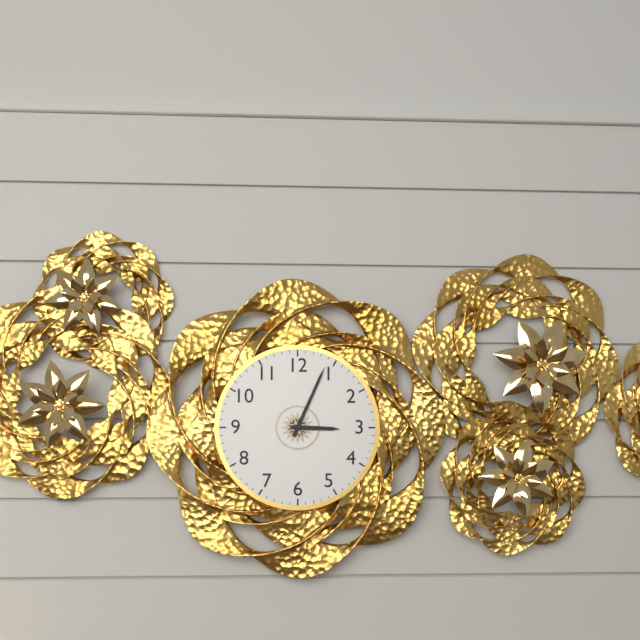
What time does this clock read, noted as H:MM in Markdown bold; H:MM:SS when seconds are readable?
**3:04**
